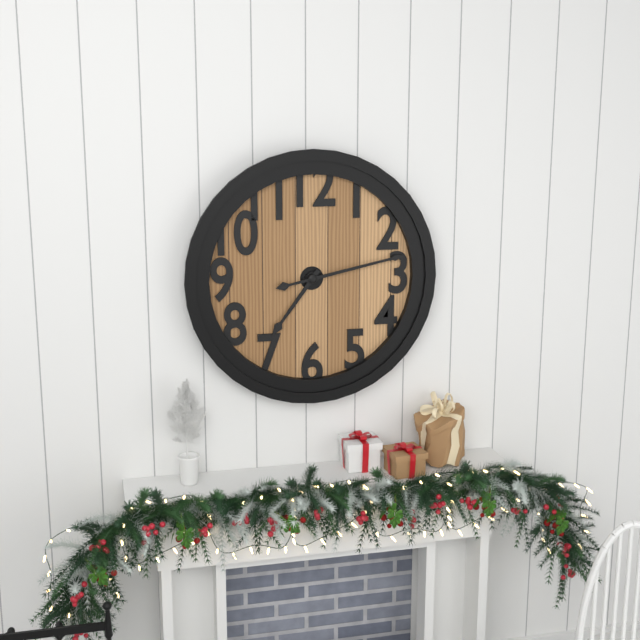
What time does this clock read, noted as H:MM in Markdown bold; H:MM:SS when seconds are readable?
**7:13**
